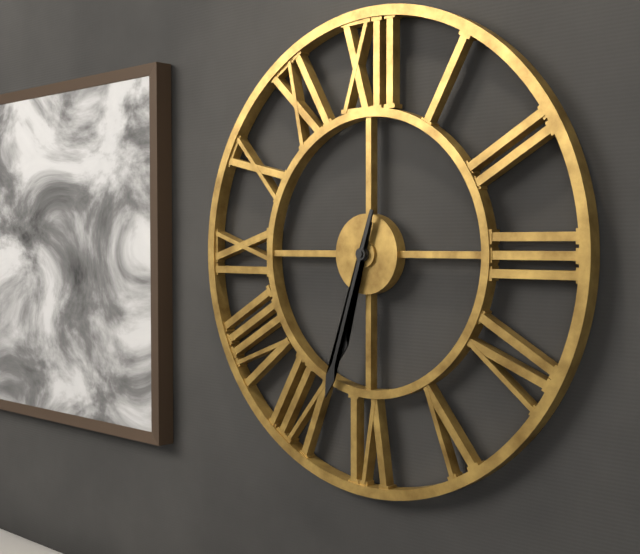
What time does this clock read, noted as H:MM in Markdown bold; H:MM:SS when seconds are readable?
**6:33**
